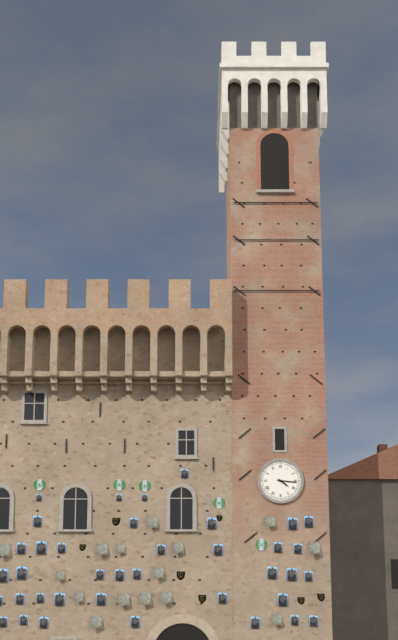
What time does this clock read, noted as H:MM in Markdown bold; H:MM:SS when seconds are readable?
**4:16**
